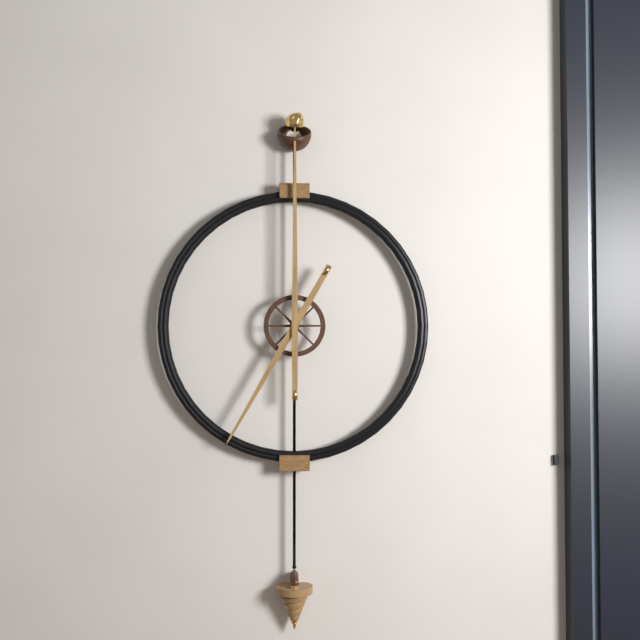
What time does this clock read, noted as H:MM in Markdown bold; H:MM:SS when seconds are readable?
**7:00**
